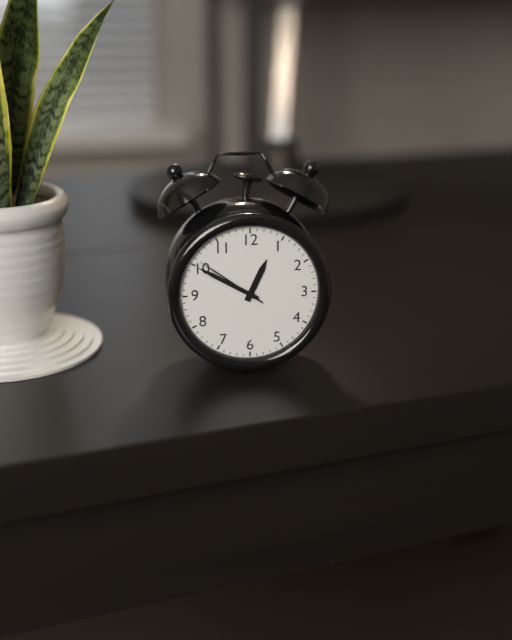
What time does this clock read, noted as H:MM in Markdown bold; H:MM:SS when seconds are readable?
**12:50:51**
